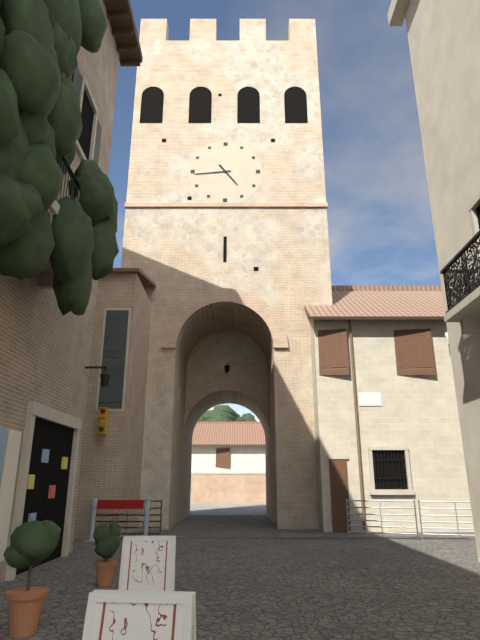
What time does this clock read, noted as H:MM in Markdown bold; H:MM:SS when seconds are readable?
**4:44**
